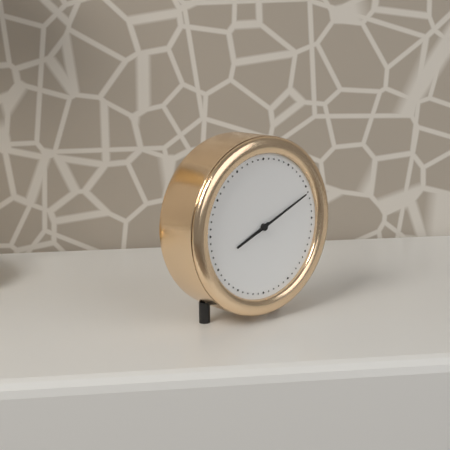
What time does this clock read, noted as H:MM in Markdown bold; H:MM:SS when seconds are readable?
**8:11**
